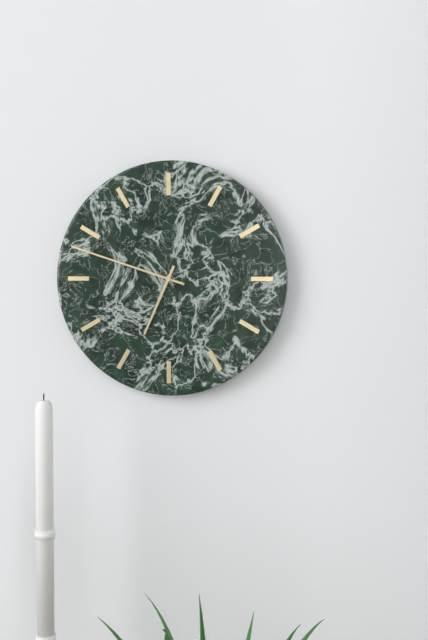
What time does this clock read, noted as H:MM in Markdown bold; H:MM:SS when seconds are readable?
**6:48**
